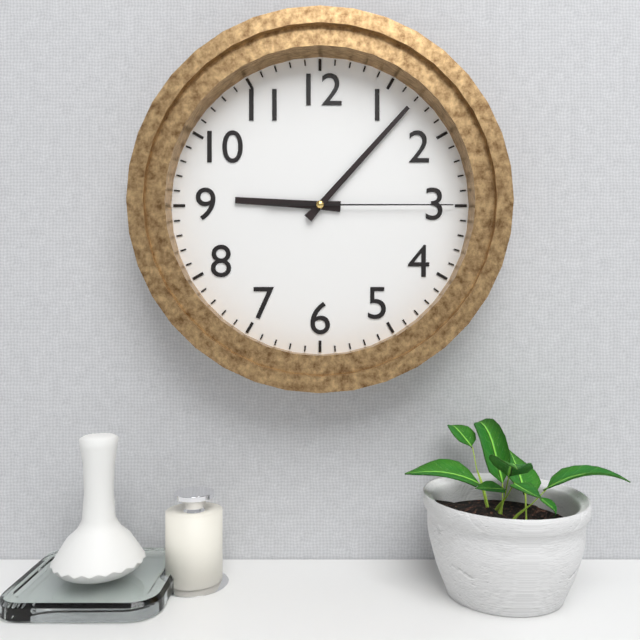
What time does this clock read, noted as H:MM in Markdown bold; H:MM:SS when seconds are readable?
**9:07:15**
